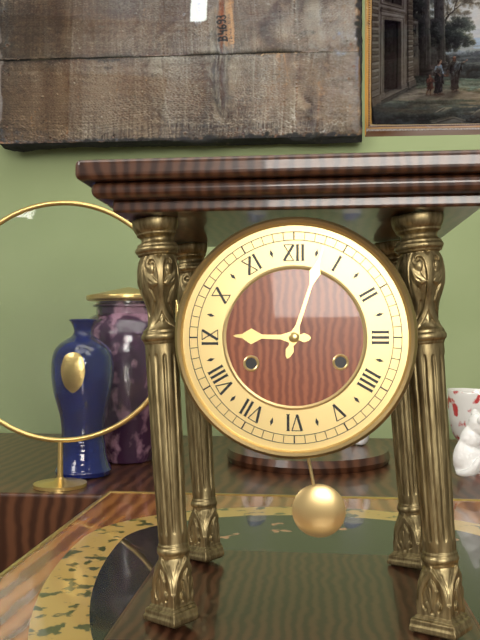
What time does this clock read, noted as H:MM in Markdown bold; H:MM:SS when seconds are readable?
**9:03**
